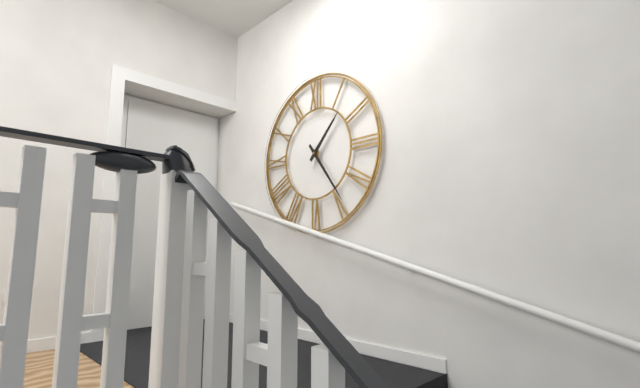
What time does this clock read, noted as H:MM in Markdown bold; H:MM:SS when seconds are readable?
**1:24**
